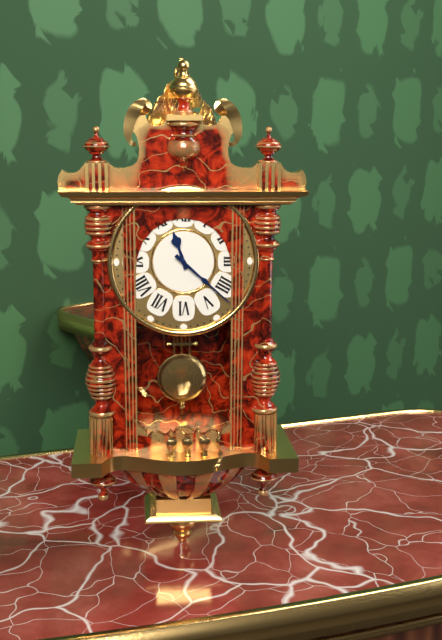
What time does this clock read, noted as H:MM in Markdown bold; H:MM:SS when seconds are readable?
**11:22**
